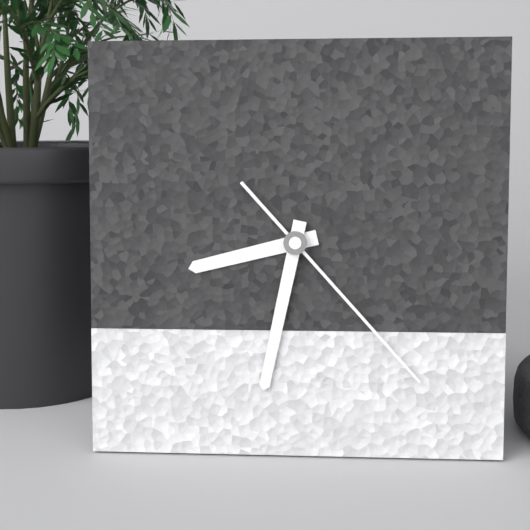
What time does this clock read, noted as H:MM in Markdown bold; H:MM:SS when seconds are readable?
**8:32:23**
